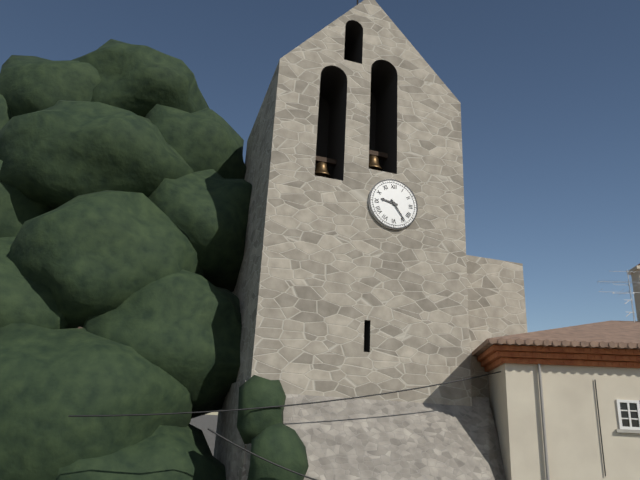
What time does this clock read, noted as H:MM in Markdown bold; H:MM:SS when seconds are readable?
**9:24**
